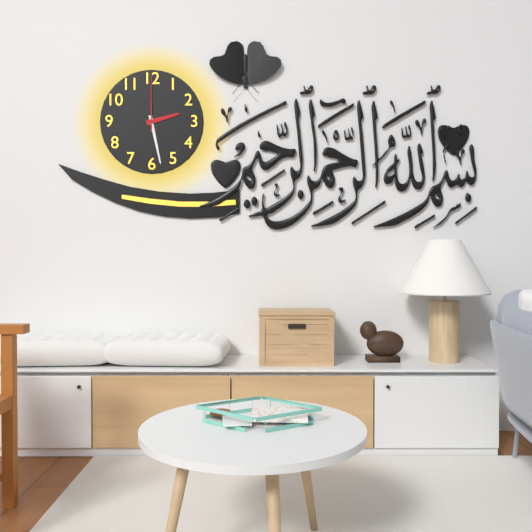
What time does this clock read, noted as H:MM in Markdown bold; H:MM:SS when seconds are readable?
**2:28:00**
